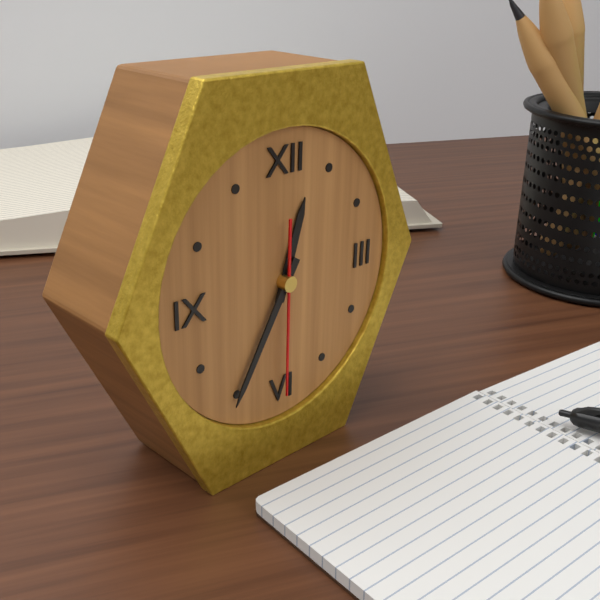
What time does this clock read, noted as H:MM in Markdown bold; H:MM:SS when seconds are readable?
**12:35:30**
